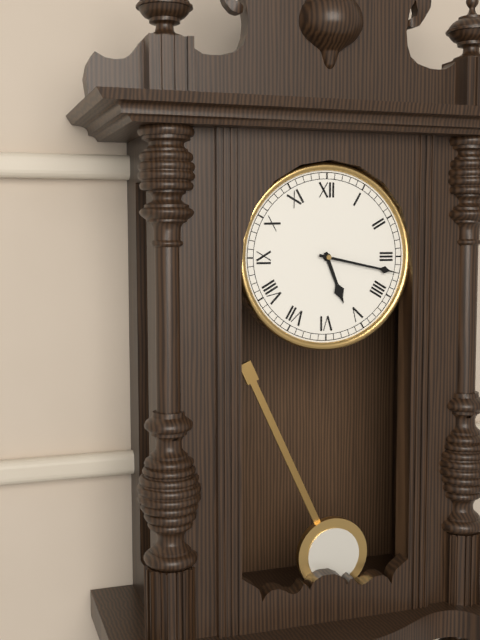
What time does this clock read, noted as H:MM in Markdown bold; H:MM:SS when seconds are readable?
**5:17**
